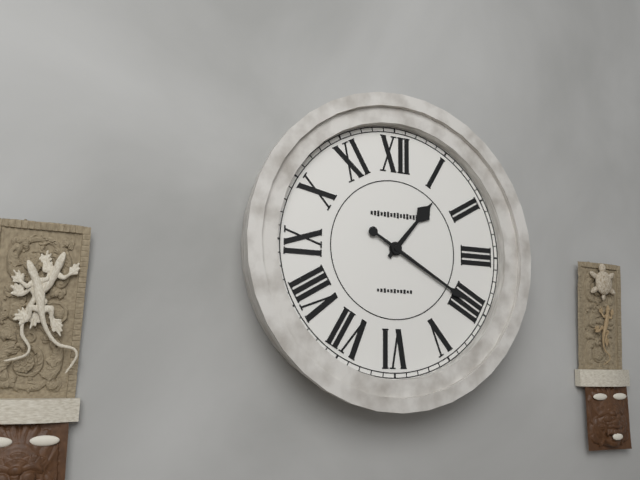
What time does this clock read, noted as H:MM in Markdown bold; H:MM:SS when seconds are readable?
**1:20**
